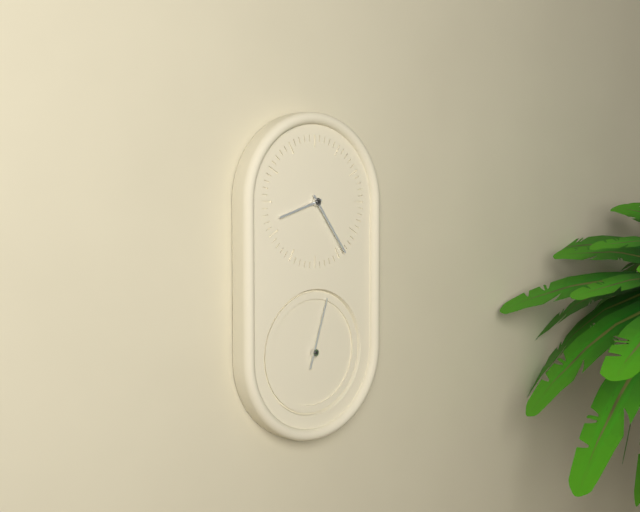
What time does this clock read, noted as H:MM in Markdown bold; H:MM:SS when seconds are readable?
**8:24:03**
